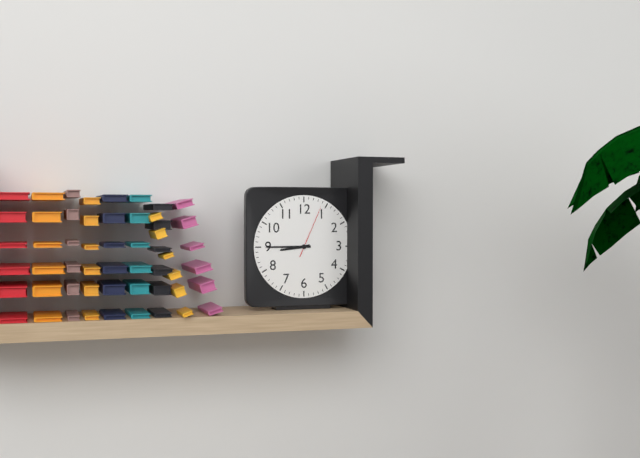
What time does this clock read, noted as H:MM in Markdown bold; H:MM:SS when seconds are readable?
**8:45:04**
